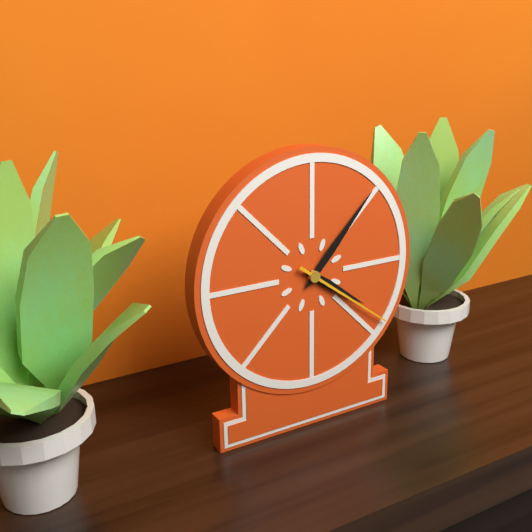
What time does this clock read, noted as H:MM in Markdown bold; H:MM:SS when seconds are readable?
**4:07:21**
